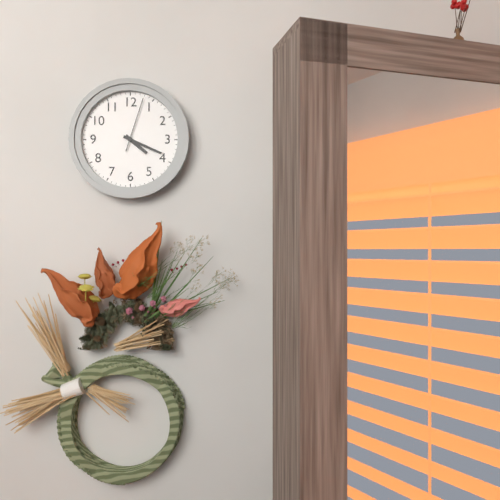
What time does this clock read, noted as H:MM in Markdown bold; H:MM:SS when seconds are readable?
**4:19:03**
